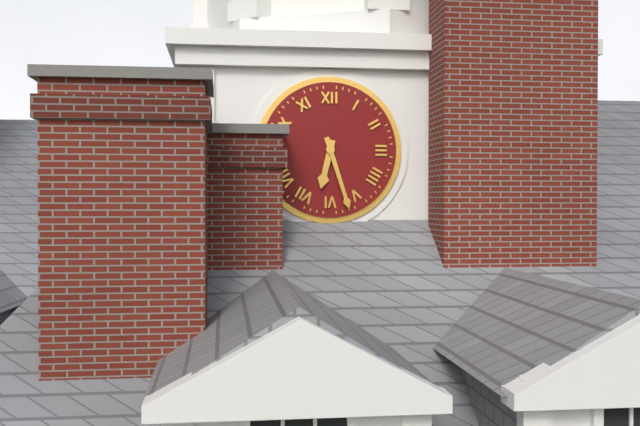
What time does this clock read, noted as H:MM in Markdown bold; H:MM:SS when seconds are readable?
**6:27**
